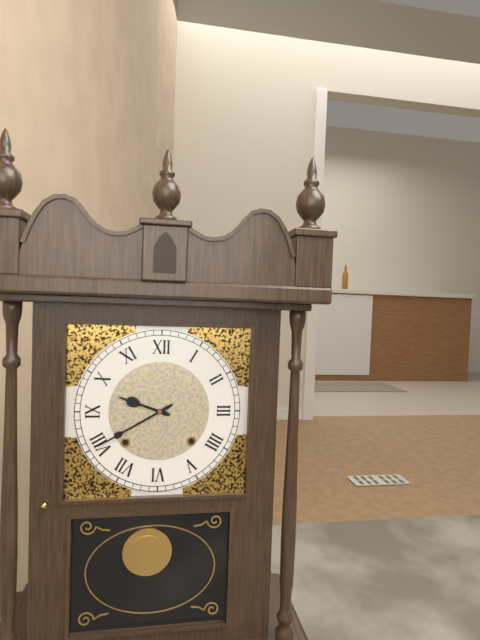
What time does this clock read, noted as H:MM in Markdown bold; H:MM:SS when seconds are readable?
**9:40**
